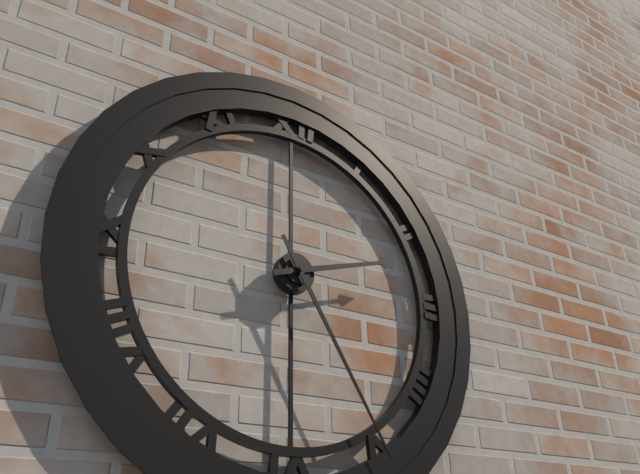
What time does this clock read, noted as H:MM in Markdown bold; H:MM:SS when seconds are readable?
**2:25**
